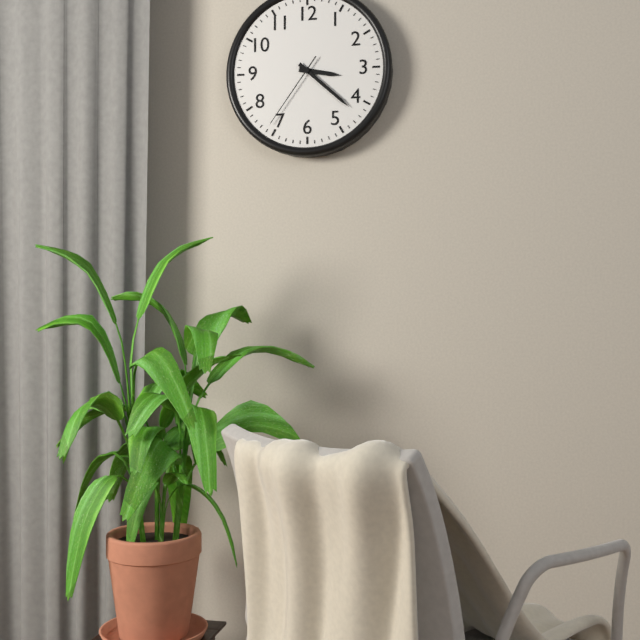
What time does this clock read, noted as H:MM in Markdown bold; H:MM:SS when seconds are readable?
**3:22:36**
